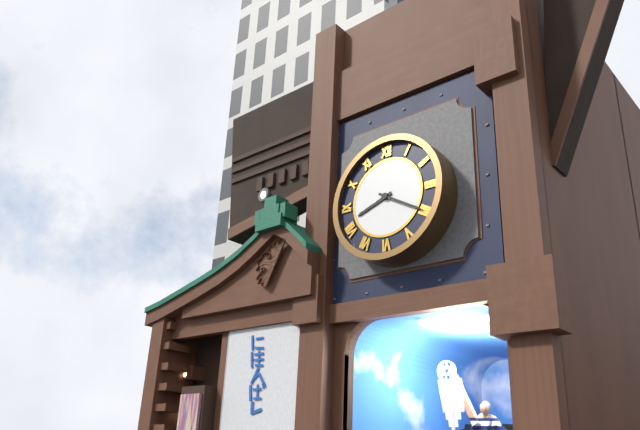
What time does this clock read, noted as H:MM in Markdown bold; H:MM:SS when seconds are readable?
**8:20**
